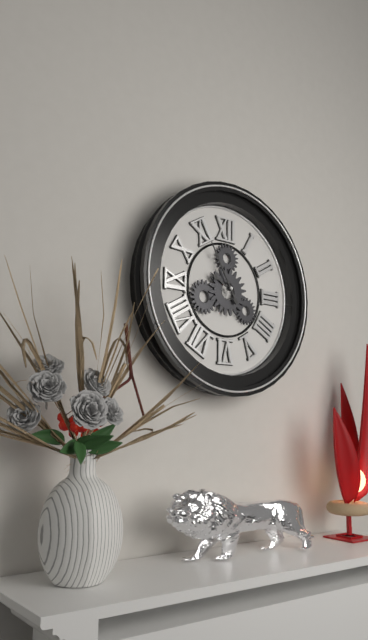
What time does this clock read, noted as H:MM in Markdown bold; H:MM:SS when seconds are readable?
**9:55**
